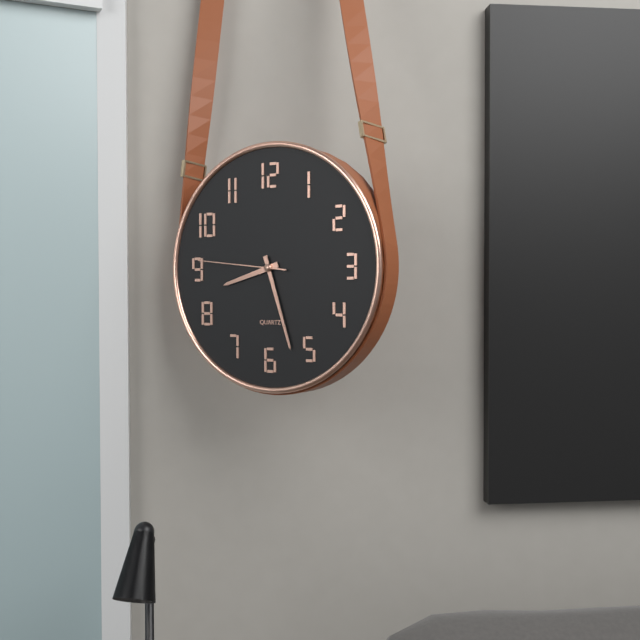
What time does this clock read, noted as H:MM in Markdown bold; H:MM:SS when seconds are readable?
**8:27:46**
